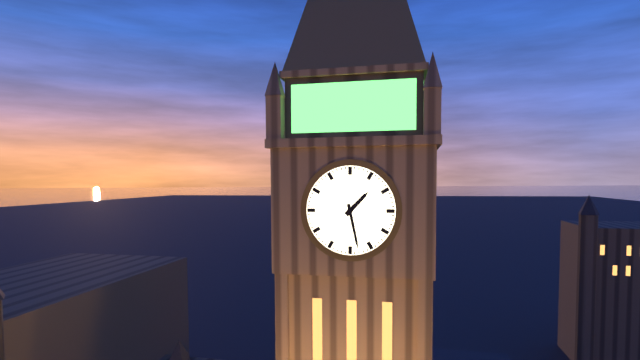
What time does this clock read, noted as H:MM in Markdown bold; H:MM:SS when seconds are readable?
**1:28**
